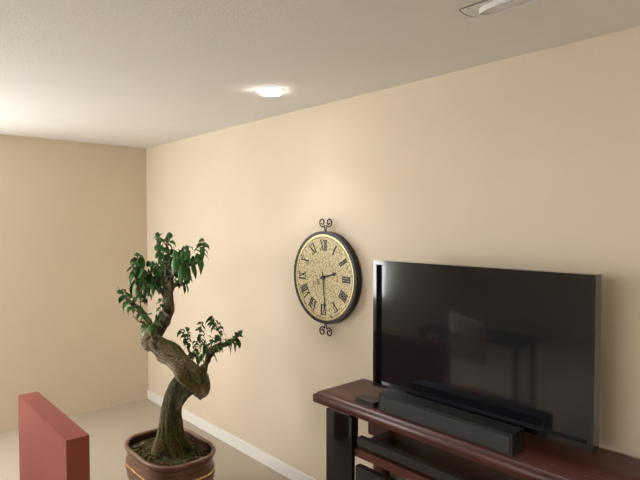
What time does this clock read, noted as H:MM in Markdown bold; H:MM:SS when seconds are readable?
**2:29**
